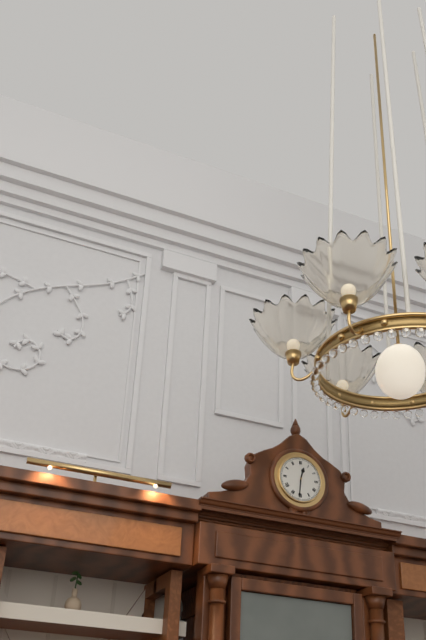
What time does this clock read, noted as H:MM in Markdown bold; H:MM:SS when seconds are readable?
**12:31**
